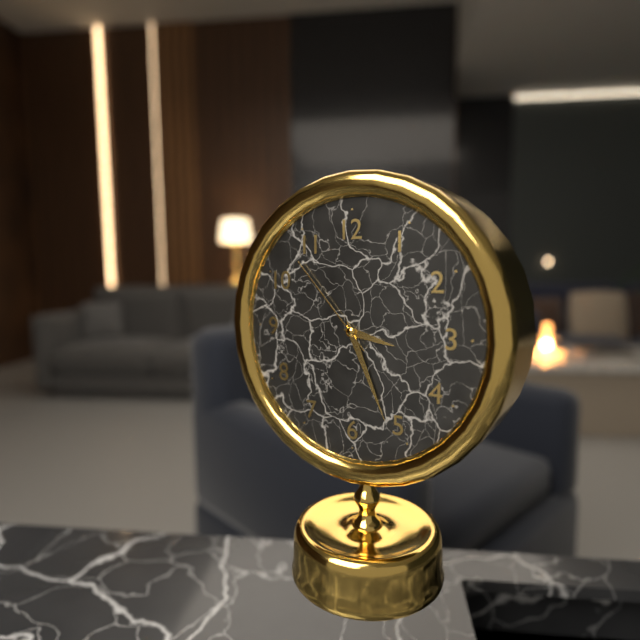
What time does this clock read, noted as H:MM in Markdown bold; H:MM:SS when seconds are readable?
**3:26:53**
